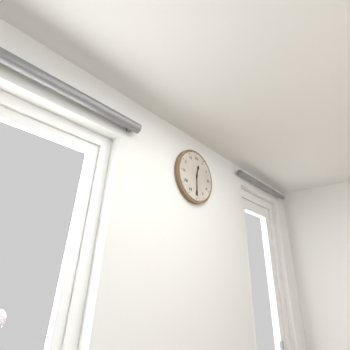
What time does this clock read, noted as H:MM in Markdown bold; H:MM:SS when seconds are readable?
**12:30**
